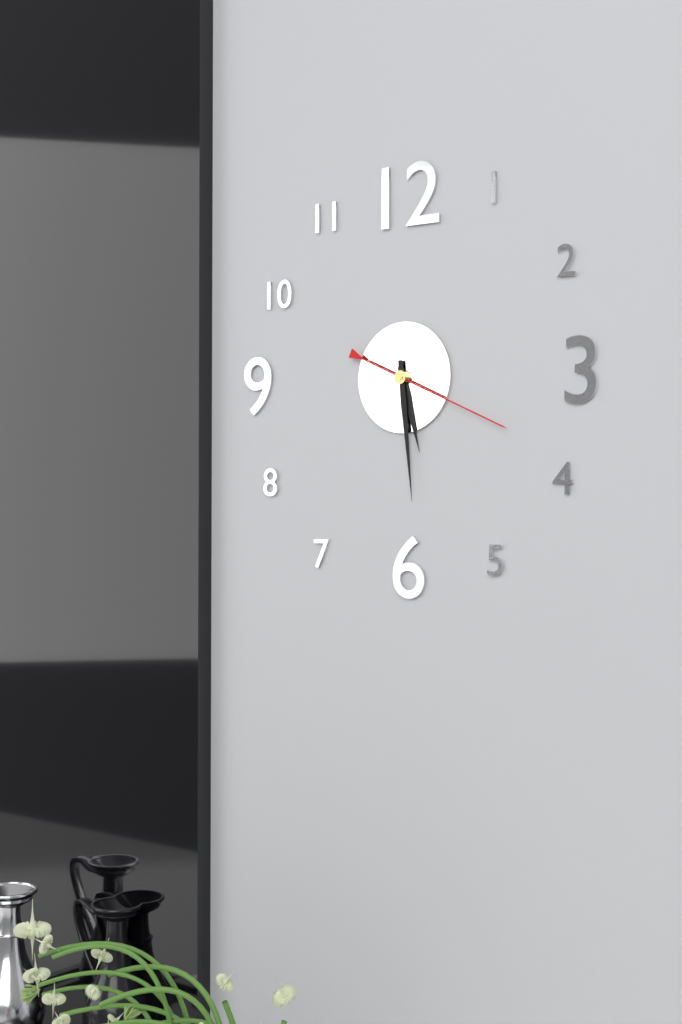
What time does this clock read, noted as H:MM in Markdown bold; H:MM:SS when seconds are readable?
**5:29:19**
